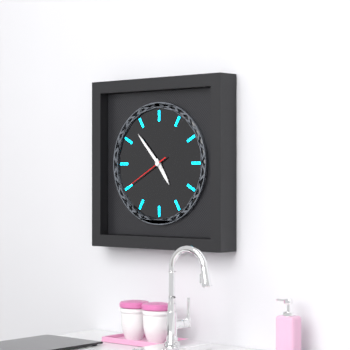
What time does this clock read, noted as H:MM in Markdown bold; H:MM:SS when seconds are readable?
**4:53**
